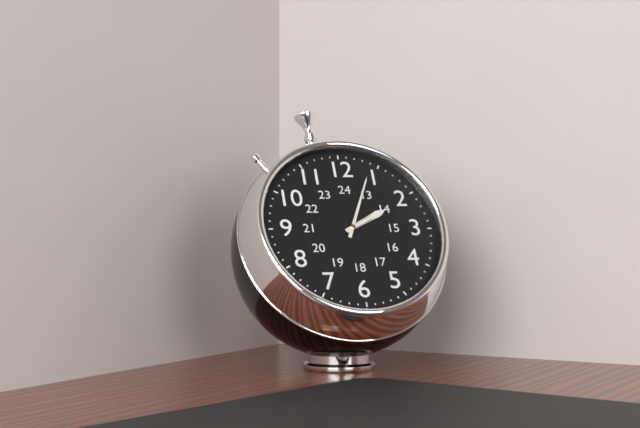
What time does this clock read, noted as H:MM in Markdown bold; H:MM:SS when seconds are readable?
**2:04**
